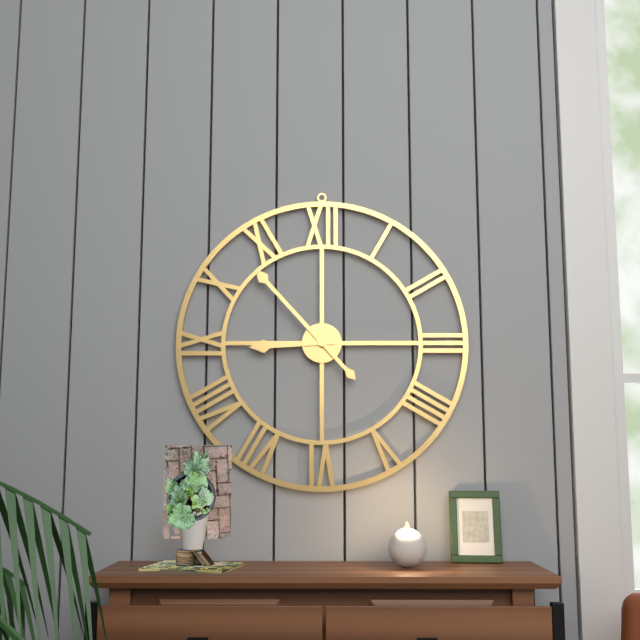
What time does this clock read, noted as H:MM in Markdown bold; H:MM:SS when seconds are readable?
**8:53**
